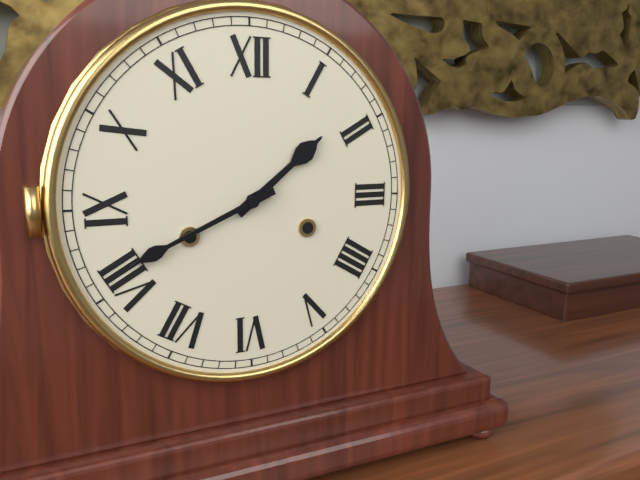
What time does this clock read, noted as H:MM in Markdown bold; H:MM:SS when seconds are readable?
**1:41**
